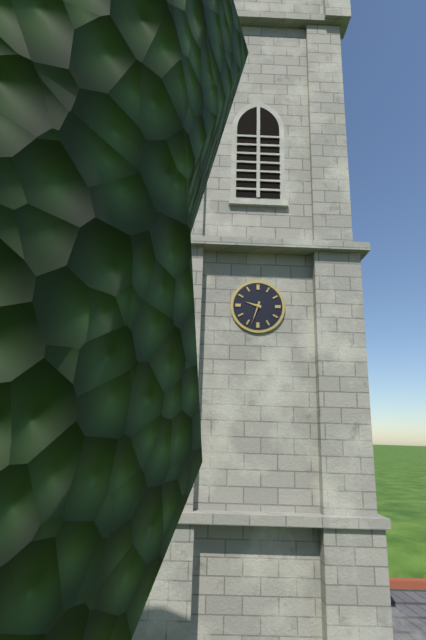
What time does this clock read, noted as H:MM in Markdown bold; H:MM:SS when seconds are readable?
**9:33**
